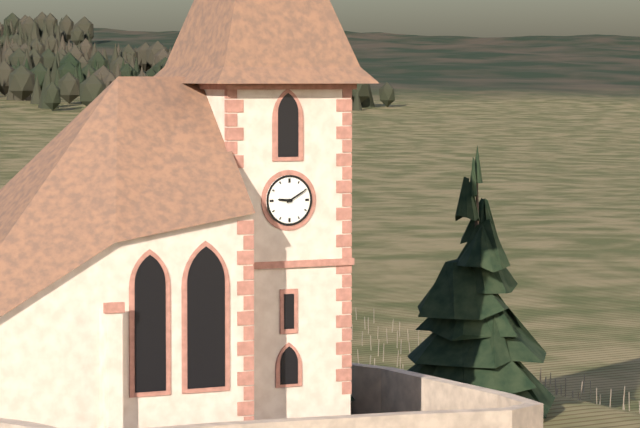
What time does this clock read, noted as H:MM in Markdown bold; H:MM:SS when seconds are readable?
**9:10**
